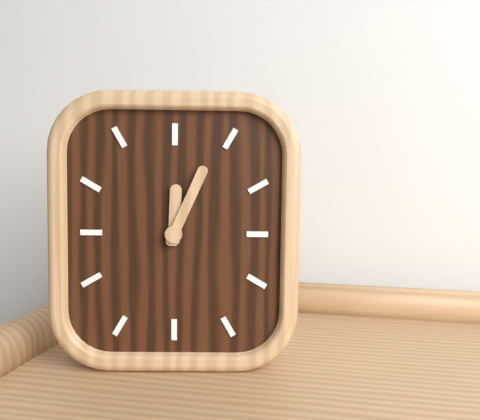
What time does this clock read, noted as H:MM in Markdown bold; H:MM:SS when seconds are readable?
**12:04**
